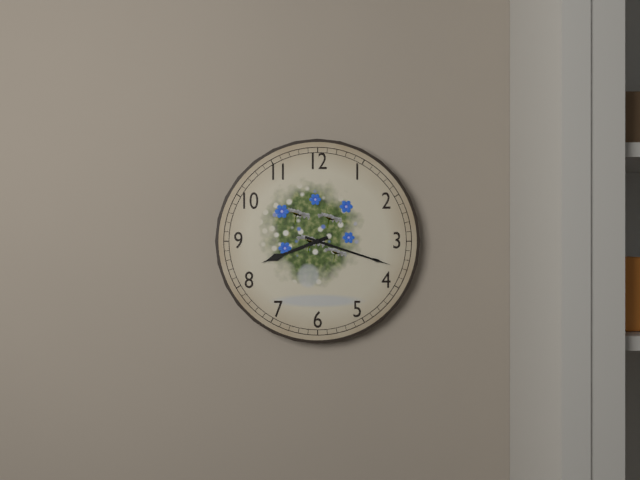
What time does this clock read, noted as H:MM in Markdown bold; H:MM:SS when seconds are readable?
**8:18**
